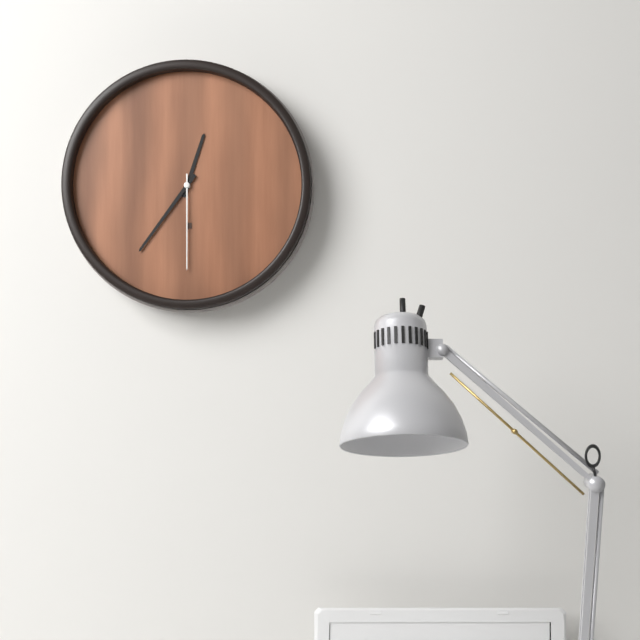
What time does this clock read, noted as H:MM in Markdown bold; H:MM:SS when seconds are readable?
**12:36:30**
